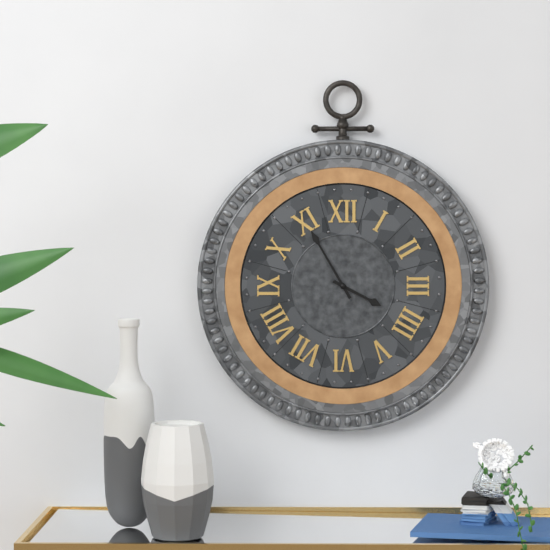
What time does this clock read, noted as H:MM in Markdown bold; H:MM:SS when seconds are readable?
**3:55**
